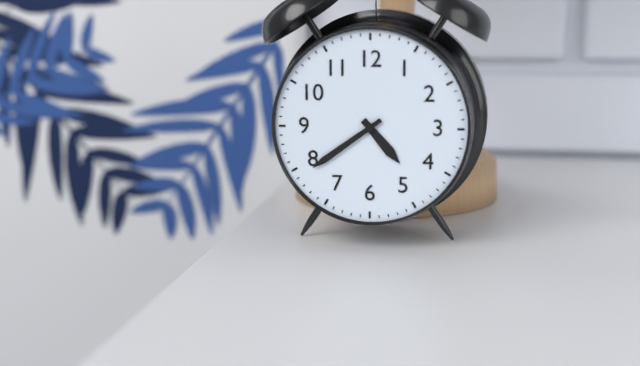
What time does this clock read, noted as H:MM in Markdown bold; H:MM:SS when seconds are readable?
**4:39**
